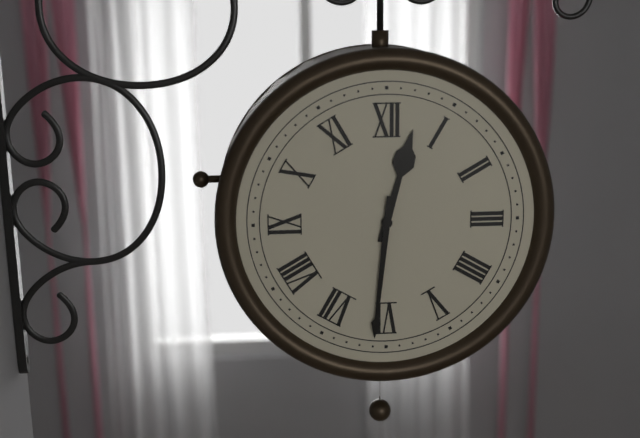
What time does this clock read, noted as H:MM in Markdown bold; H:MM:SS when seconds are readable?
**12:31**
